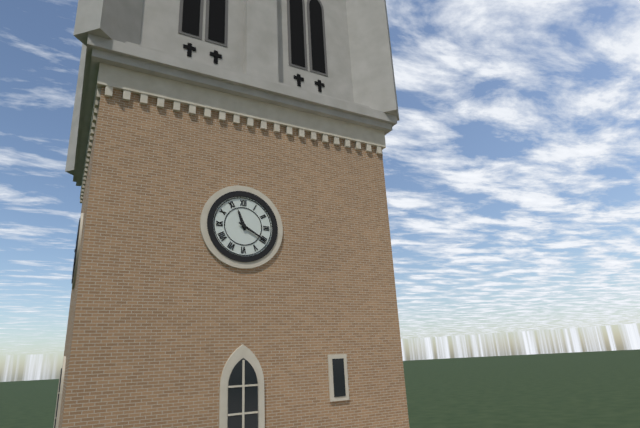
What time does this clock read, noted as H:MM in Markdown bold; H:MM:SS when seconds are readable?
**11:20**
